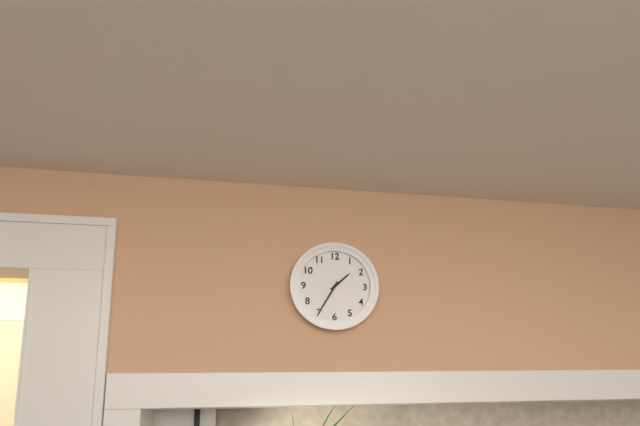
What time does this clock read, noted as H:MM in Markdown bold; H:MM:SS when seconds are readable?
**1:35**
